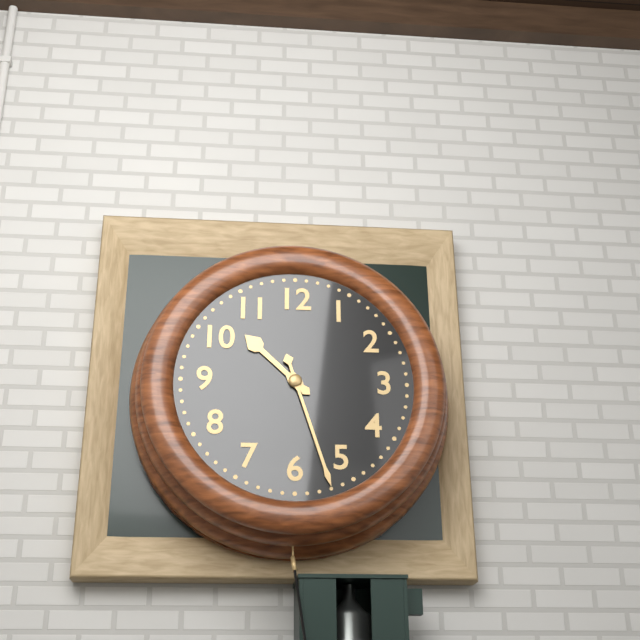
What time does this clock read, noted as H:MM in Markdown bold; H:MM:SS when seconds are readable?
**10:27**
